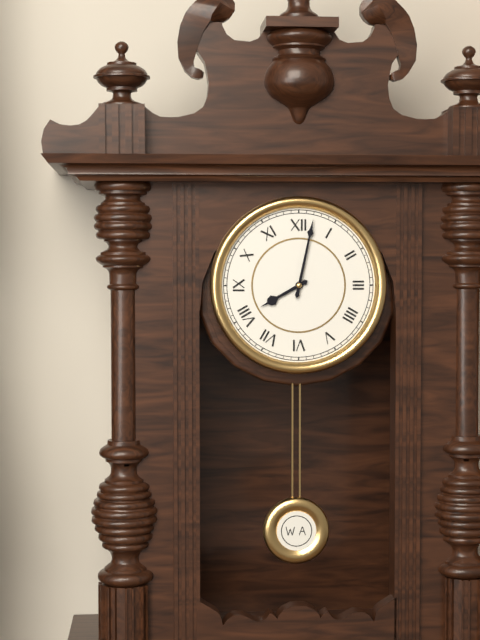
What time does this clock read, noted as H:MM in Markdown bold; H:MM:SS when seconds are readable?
**8:02**
